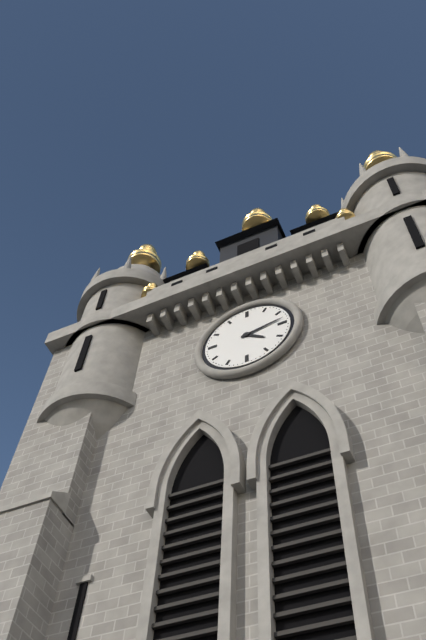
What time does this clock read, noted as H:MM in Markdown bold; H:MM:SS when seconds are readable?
**4:13**
